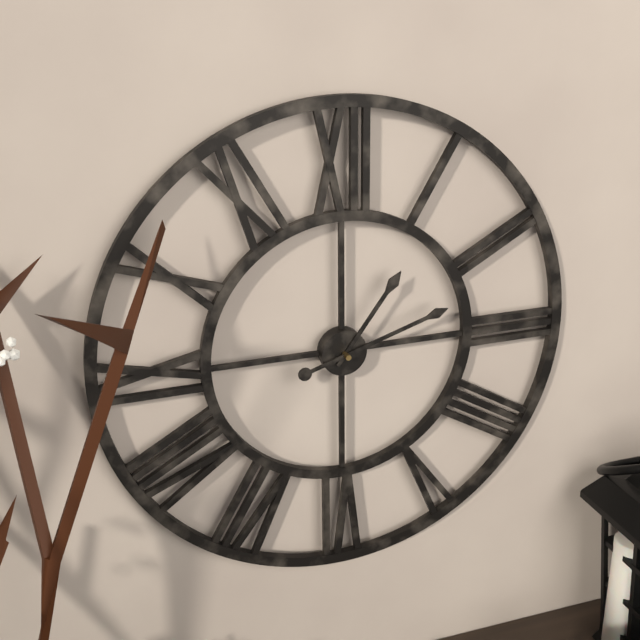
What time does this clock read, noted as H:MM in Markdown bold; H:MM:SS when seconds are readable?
**1:12**
